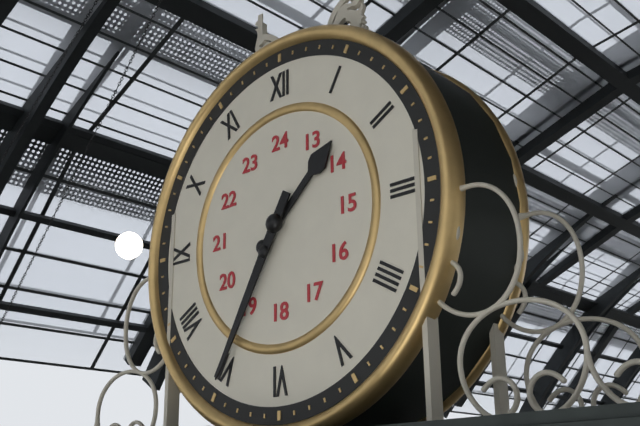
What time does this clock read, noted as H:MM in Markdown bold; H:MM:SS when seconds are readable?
**1:35**
